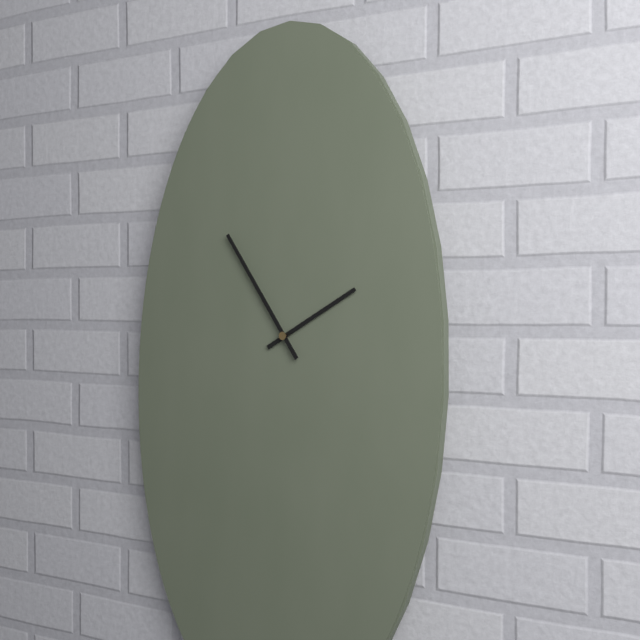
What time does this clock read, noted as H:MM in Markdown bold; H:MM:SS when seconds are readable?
**1:54**
